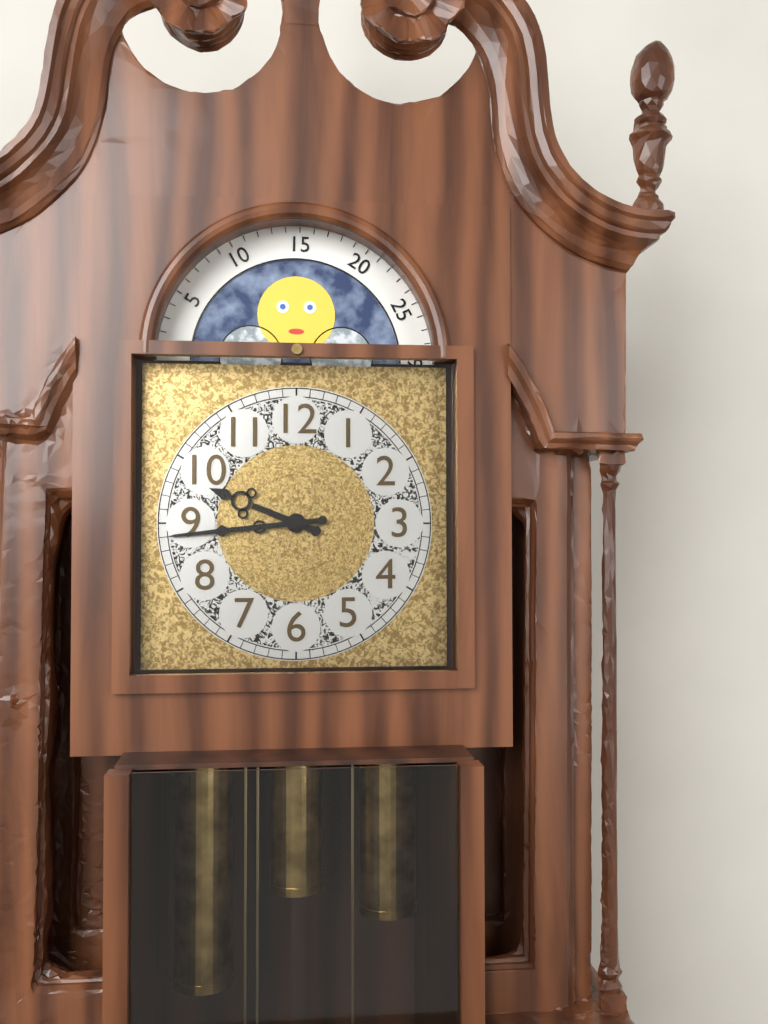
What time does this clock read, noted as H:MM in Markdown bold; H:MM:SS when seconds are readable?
**9:44**
